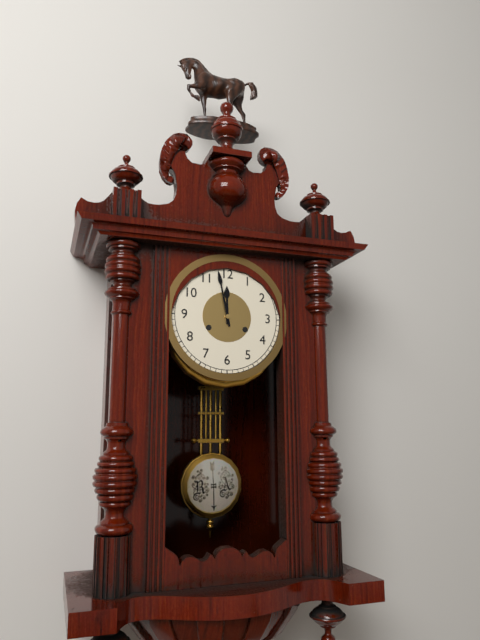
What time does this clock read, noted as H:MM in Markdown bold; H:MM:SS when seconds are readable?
**11:58**
